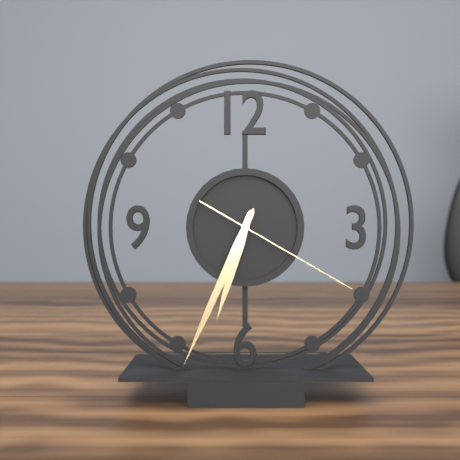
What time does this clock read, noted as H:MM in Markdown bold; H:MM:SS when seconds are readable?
**6:34:20**
